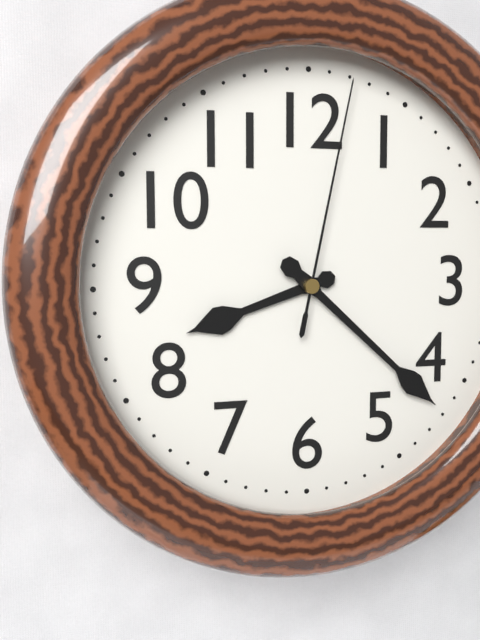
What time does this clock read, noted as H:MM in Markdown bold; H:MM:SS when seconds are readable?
**8:22:02**
